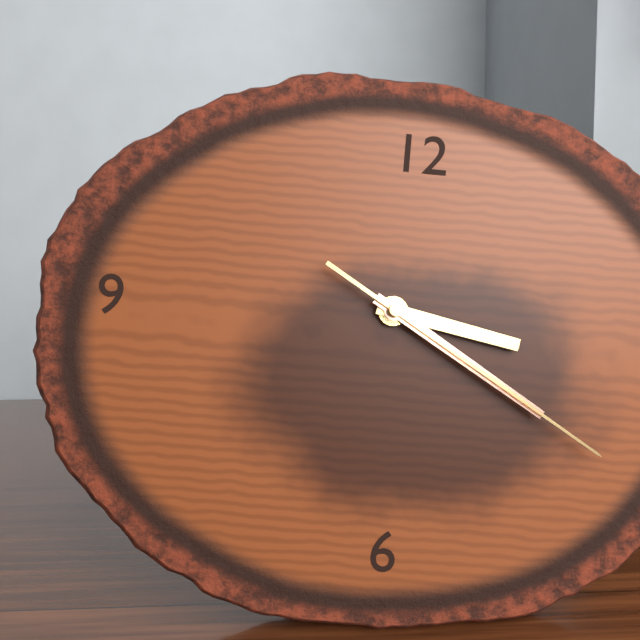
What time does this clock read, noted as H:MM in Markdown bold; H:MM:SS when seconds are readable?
**3:20:20**
